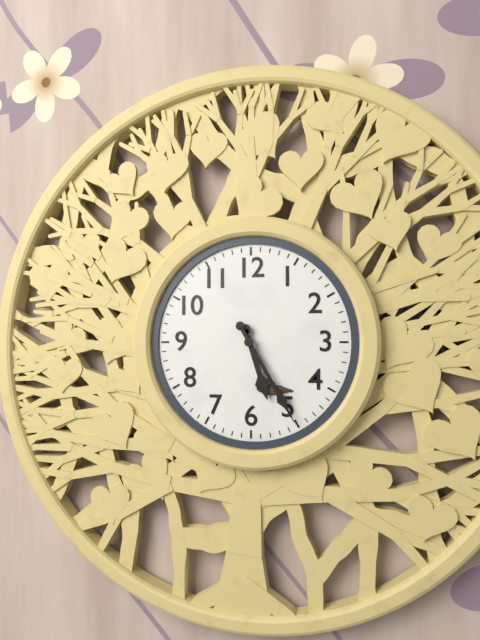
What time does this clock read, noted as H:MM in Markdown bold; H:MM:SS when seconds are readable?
**5:25**
